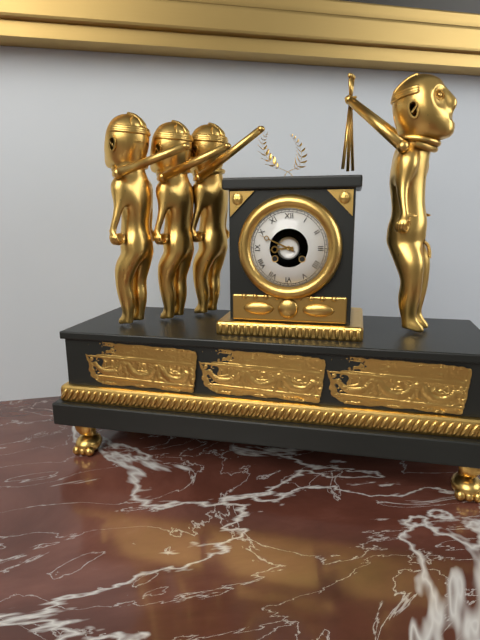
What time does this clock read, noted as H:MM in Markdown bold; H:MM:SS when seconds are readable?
**8:49**
